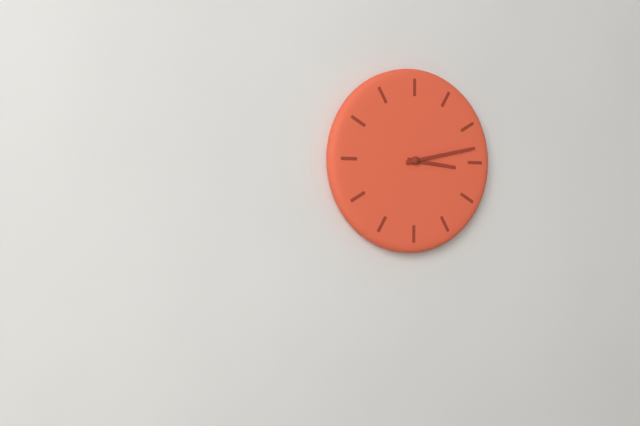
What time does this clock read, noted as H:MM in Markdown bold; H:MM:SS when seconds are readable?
**3:13**
